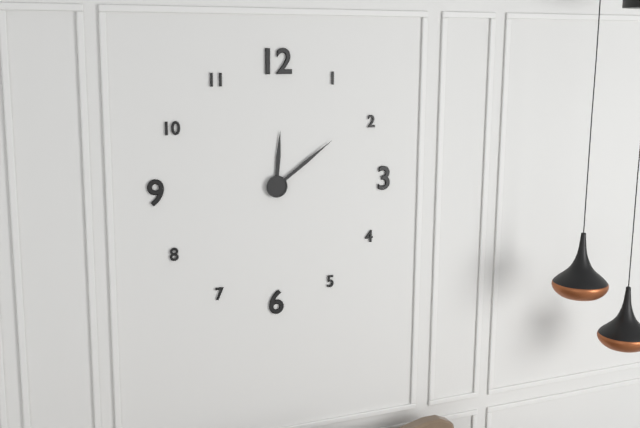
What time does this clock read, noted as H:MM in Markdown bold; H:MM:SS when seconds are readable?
**12:09**
